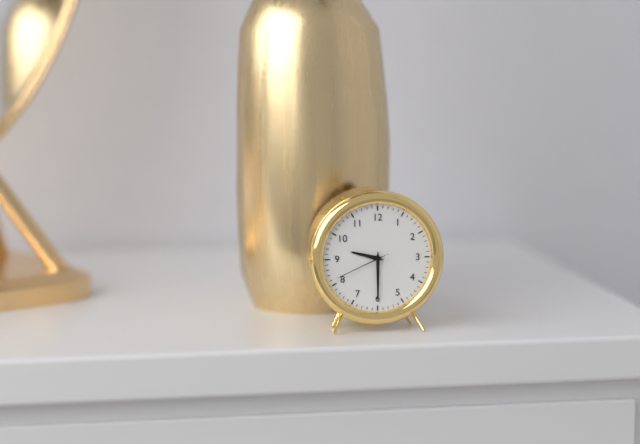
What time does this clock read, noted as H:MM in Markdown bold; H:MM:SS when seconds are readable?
**9:30:41**
